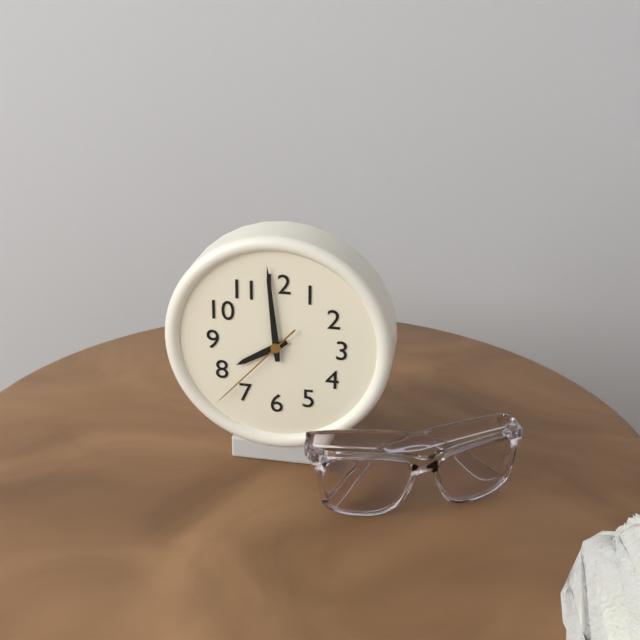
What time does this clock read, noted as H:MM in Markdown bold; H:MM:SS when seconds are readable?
**7:59:37**
